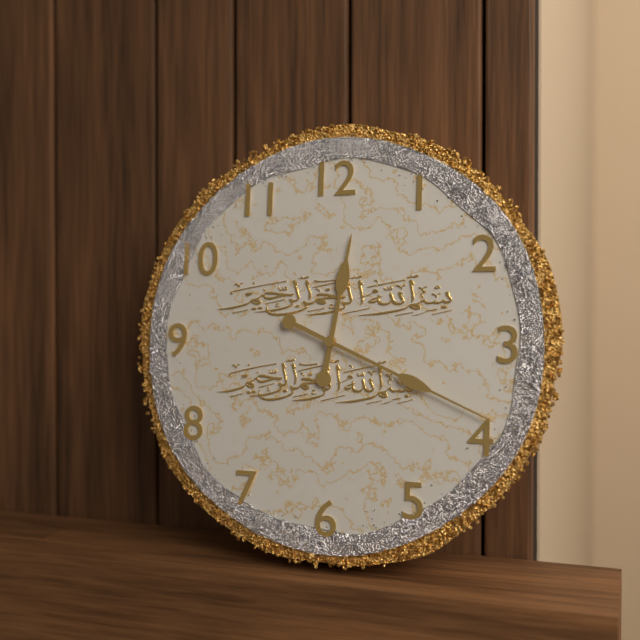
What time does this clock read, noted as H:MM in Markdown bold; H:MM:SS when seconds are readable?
**12:19**
